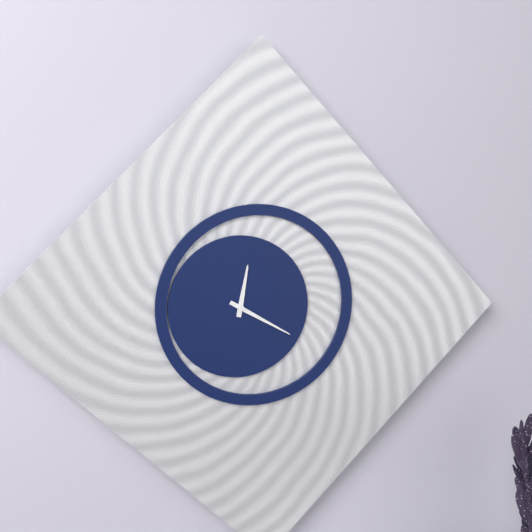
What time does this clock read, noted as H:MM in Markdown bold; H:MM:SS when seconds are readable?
**12:20**
